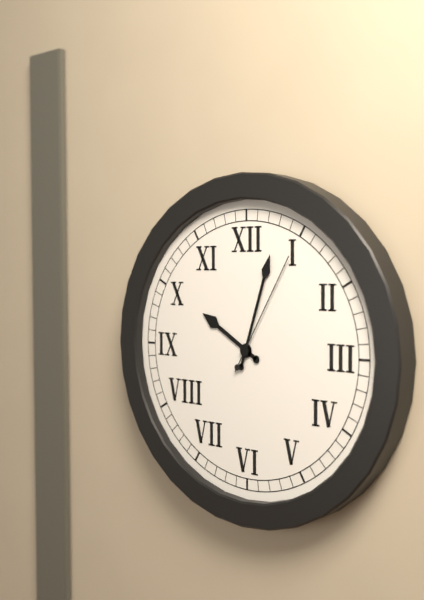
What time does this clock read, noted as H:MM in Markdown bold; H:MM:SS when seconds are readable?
**10:03:05**
